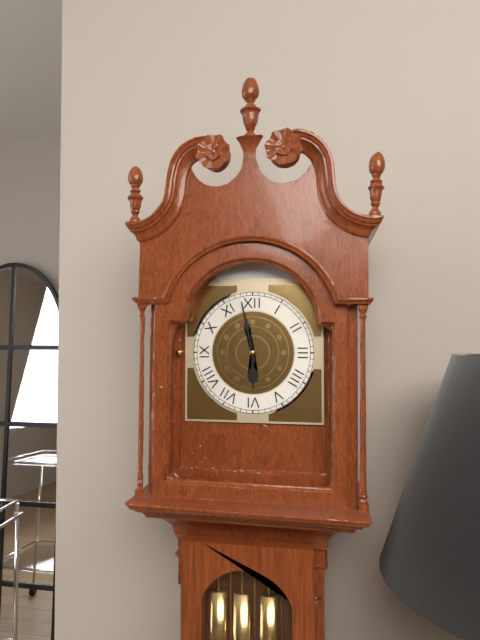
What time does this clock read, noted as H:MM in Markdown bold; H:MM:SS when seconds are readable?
**5:58**
